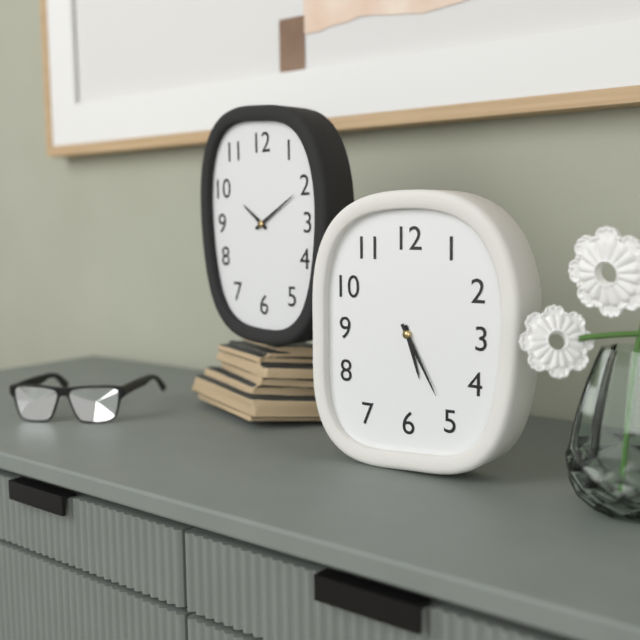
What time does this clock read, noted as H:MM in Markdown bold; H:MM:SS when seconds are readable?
**5:25**
